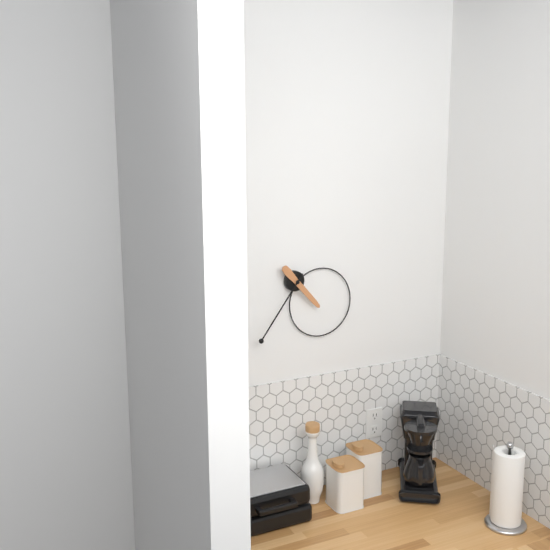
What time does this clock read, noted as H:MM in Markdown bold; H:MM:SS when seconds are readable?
**4:36**
